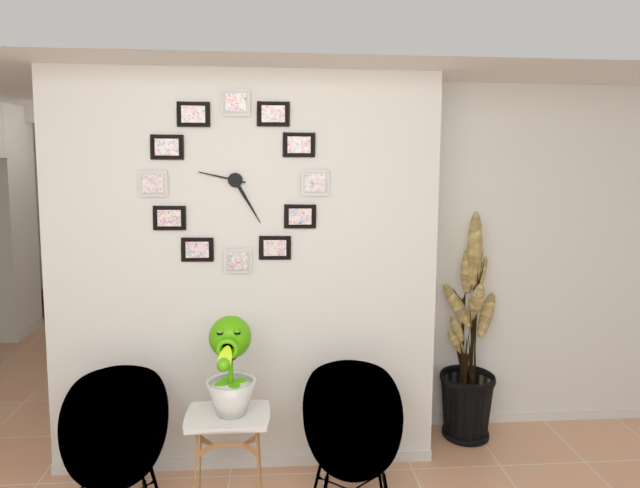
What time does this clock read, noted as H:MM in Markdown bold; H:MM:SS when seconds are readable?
**9:25**
